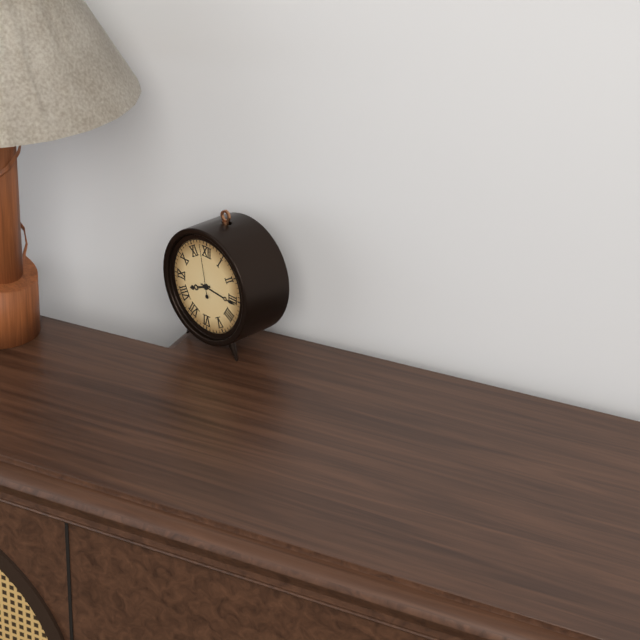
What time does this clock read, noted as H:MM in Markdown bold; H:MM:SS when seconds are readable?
**8:16:58**
